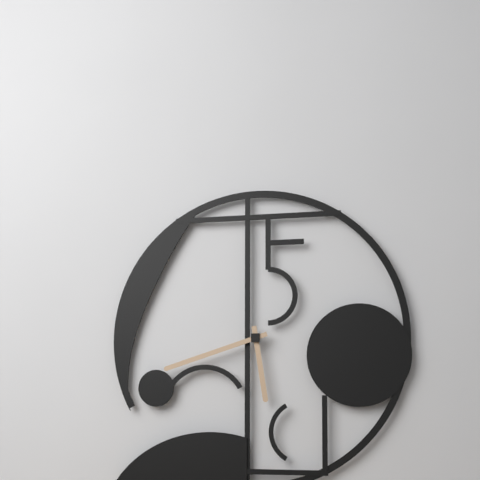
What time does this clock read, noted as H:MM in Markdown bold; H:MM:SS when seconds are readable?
**5:42**
